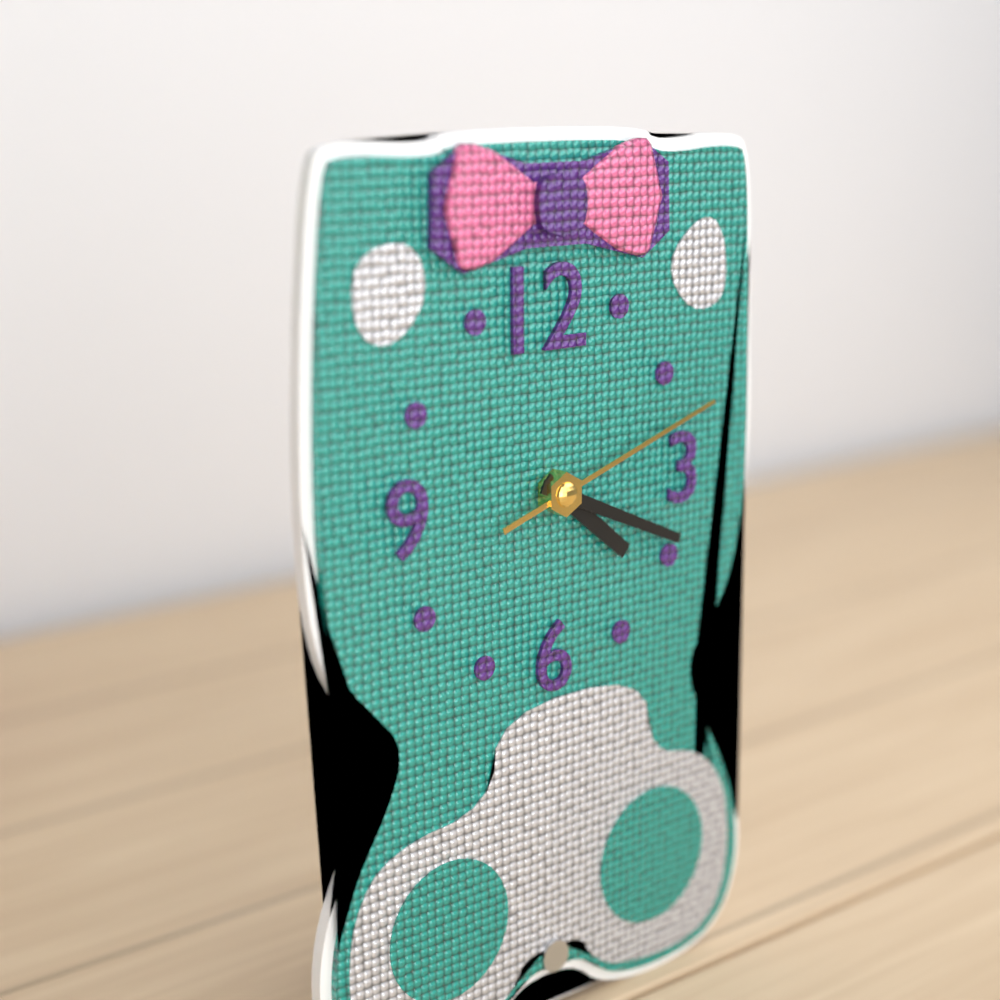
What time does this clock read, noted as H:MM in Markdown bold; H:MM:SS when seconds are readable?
**4:19:12**
